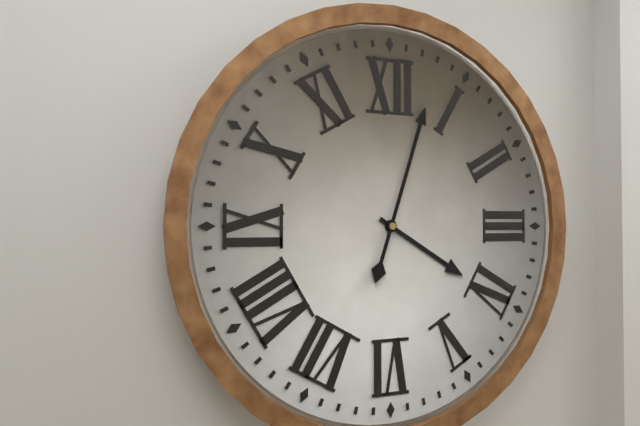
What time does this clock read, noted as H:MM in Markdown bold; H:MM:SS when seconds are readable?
**4:03**
